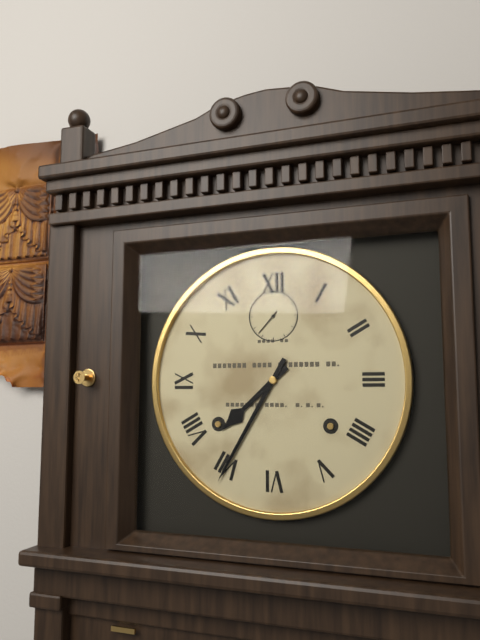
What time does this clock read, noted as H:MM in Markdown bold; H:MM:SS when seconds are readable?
**7:35**
